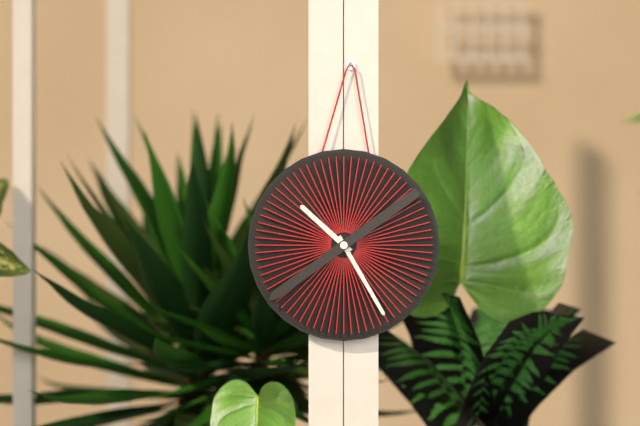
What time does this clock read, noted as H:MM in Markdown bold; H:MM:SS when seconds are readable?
**10:25:39**
